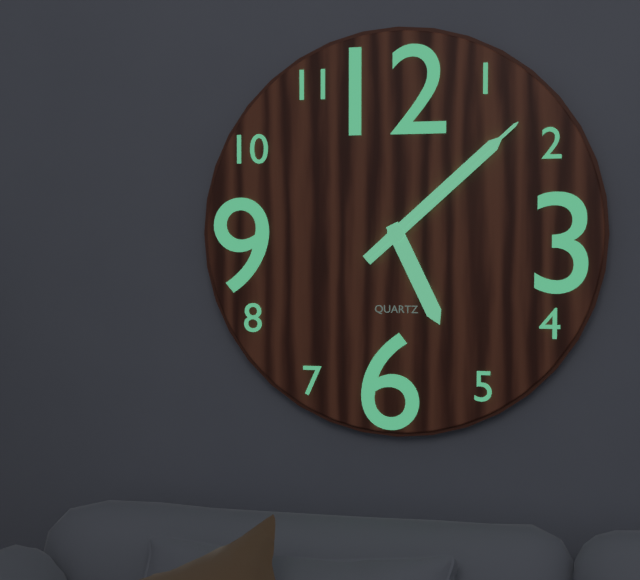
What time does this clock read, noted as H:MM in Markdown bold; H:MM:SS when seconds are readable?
**5:08:08**
